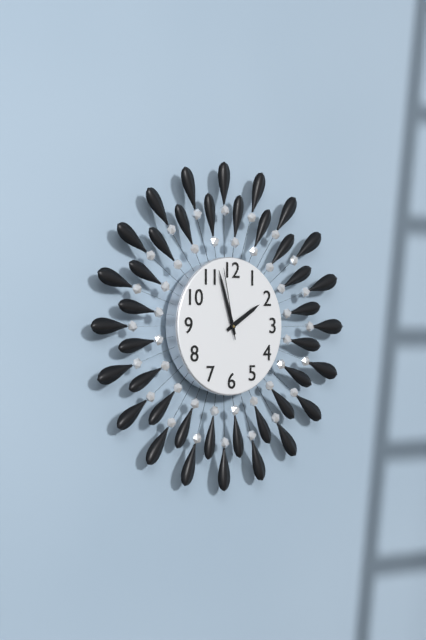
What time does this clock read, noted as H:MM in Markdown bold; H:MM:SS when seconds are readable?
**1:57:58**
